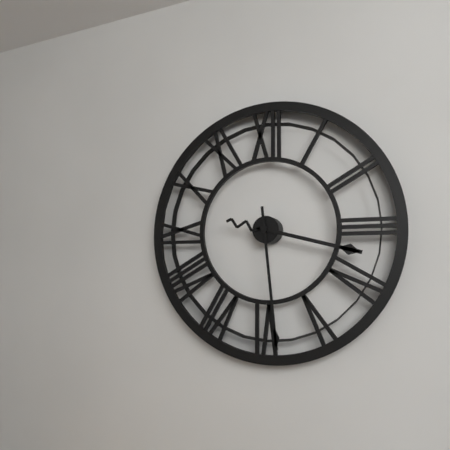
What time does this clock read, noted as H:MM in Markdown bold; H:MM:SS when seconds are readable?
**3:29**
